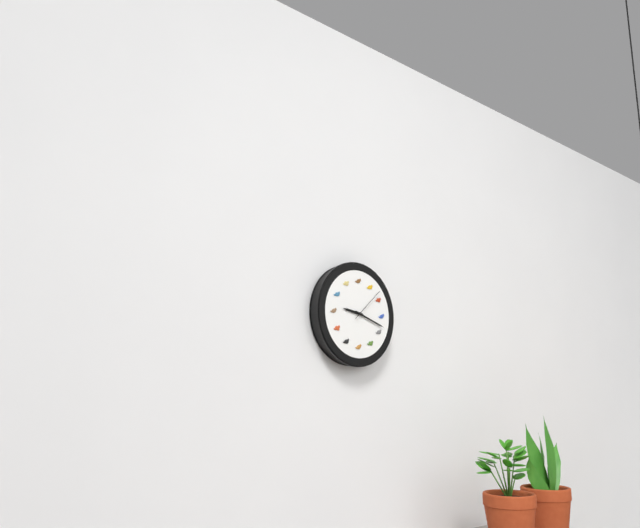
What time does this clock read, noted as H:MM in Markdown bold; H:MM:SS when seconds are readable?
**9:18**
